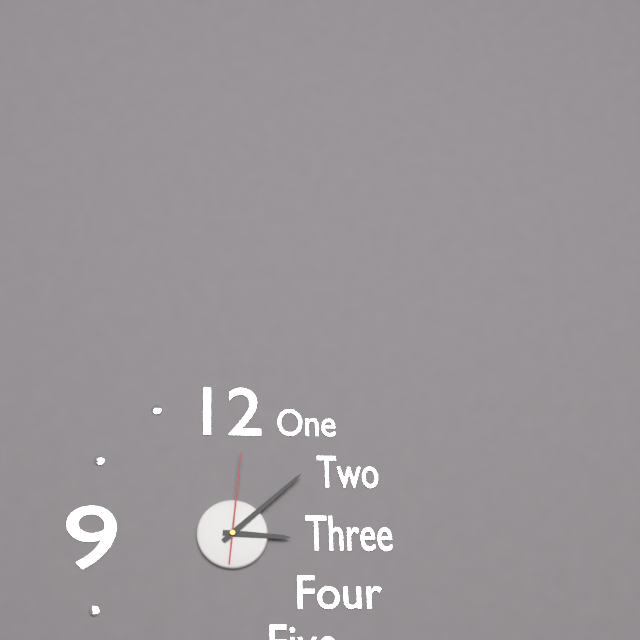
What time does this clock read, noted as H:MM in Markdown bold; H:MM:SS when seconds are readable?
**3:08:01**
